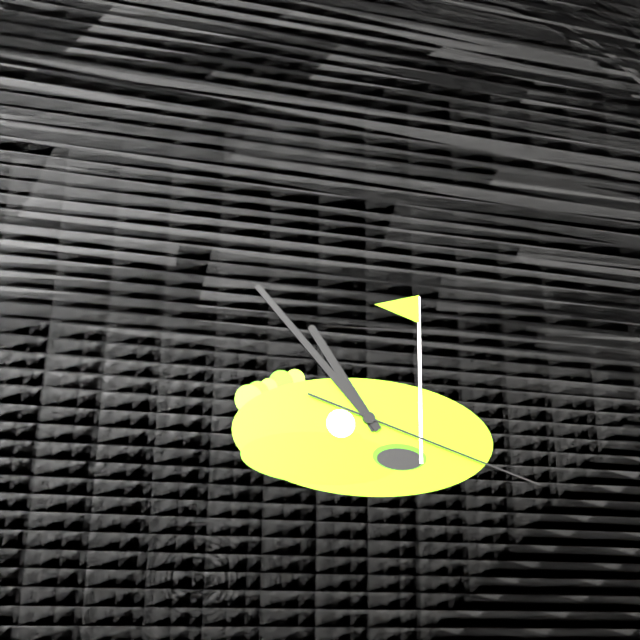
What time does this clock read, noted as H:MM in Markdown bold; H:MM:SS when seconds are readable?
**10:53:18**
